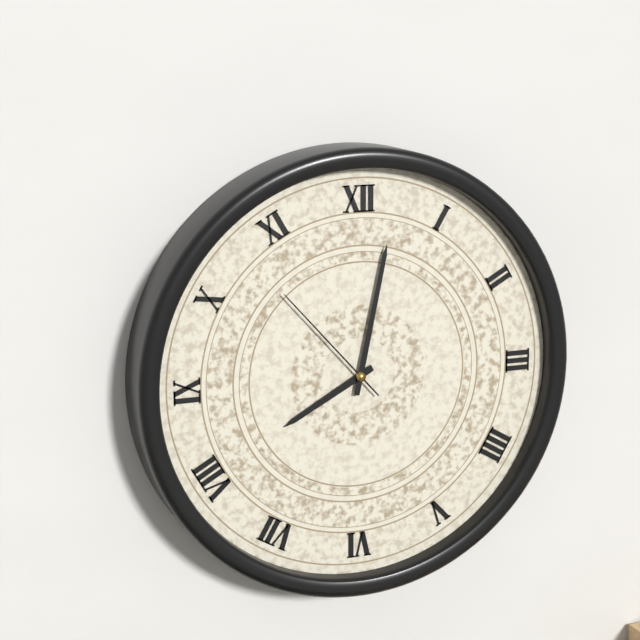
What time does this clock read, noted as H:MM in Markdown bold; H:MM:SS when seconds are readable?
**8:02:53**
